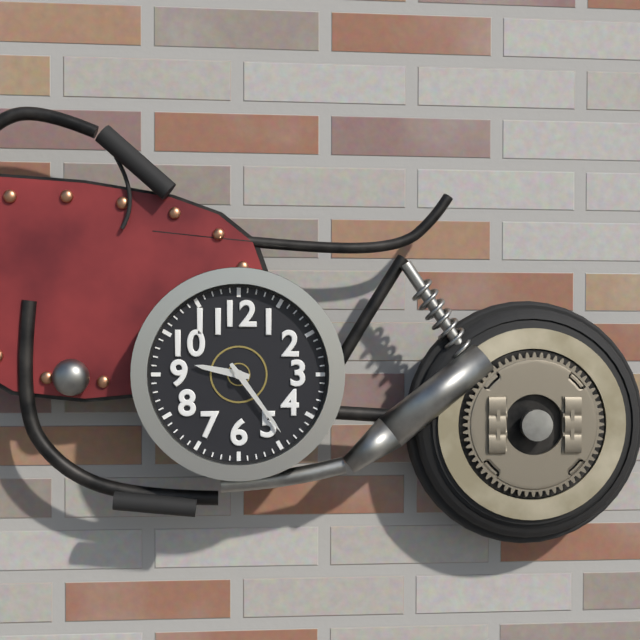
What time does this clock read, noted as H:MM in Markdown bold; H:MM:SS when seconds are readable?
**9:24**
